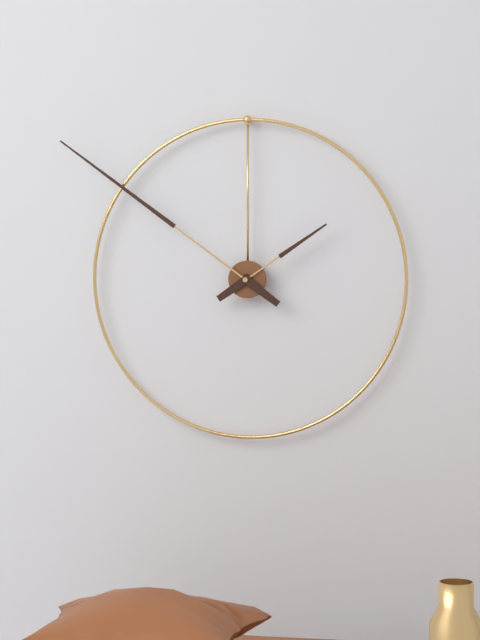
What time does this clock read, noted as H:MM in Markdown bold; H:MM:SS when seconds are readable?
**1:51**
